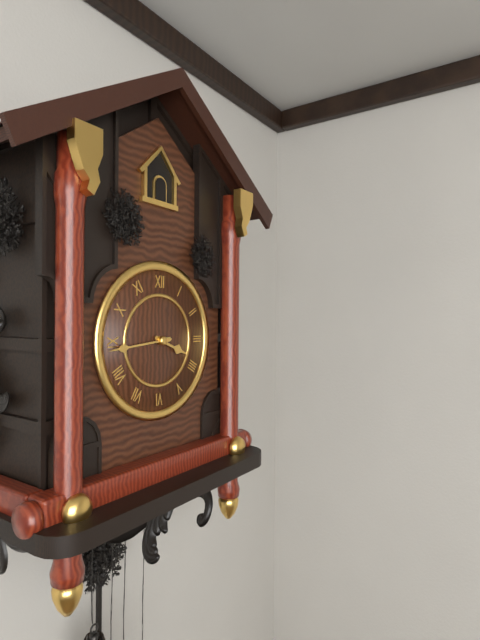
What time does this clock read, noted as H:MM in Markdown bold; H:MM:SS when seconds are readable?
**3:44**
